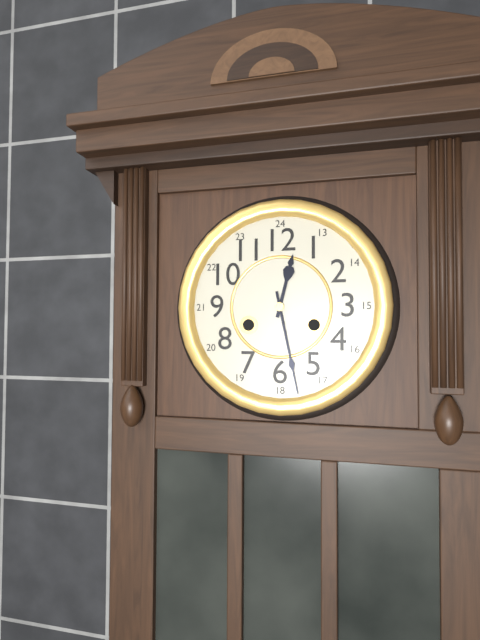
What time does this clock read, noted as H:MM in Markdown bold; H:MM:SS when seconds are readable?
**12:28**
